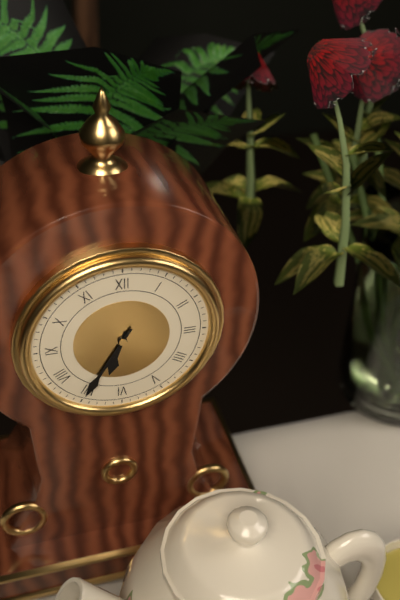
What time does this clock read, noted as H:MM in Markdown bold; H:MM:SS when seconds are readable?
**6:35**
